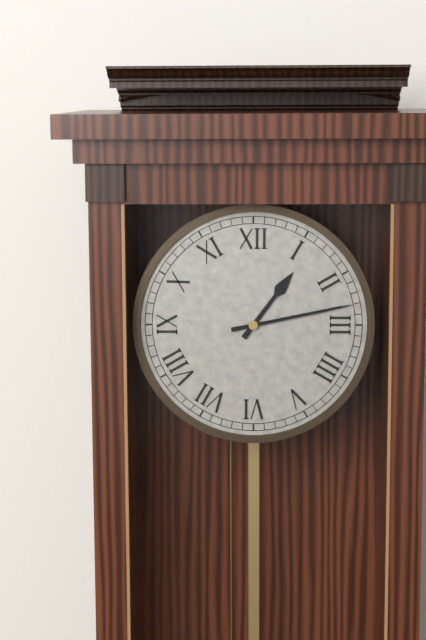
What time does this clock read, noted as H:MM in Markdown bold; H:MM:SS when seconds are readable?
**1:13**
